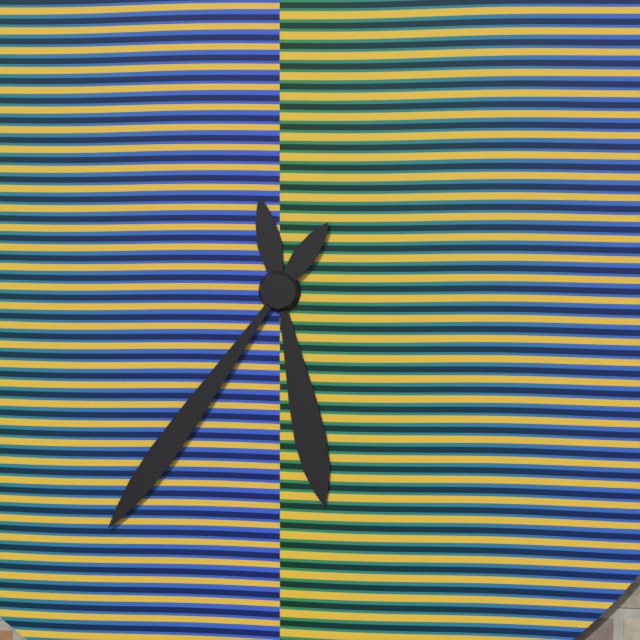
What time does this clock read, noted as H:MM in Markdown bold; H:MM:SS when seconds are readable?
**5:36**
